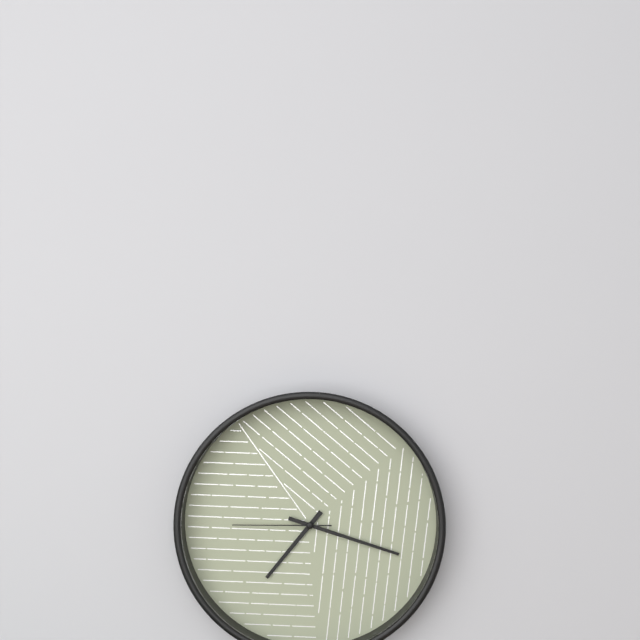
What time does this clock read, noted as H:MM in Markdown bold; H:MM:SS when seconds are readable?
**7:18:45**
